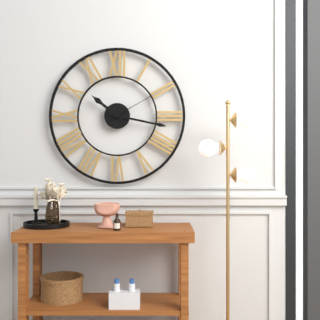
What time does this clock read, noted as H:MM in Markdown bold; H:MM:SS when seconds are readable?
**10:17:10**
